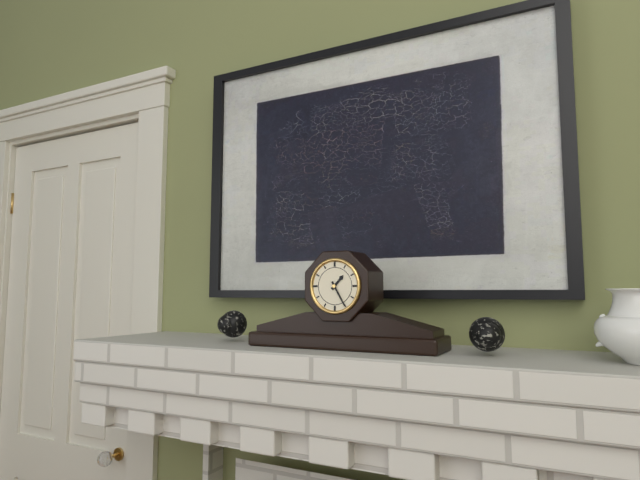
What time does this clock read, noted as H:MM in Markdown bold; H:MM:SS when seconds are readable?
**1:25**
